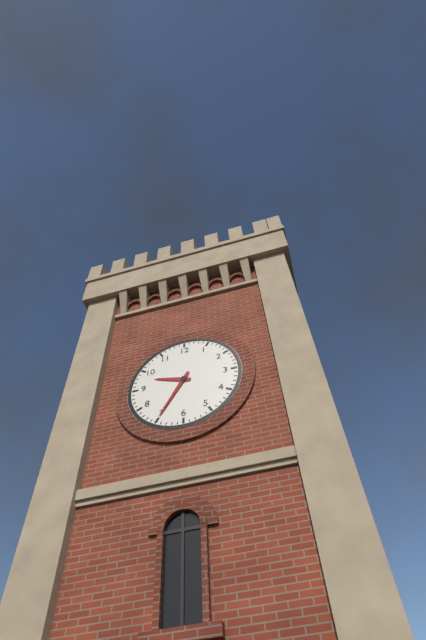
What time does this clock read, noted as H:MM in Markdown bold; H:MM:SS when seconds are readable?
**9:35**
